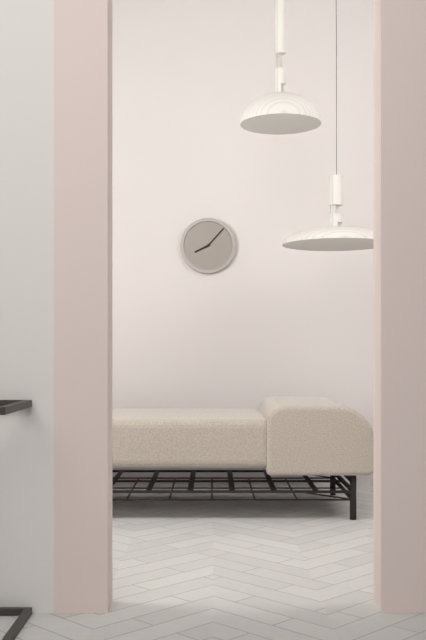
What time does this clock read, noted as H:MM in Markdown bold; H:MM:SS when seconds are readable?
**8:07**
